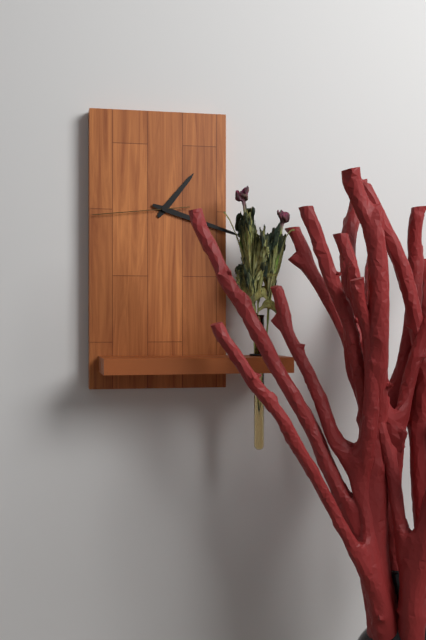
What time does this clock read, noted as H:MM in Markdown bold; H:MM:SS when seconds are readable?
**1:18:44**
